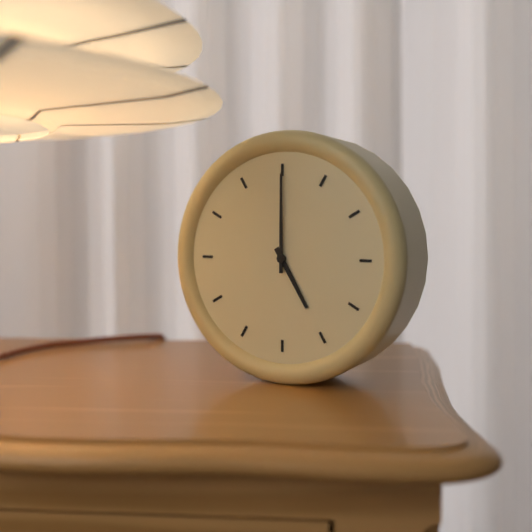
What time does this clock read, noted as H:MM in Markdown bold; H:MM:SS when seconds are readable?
**5:00**
